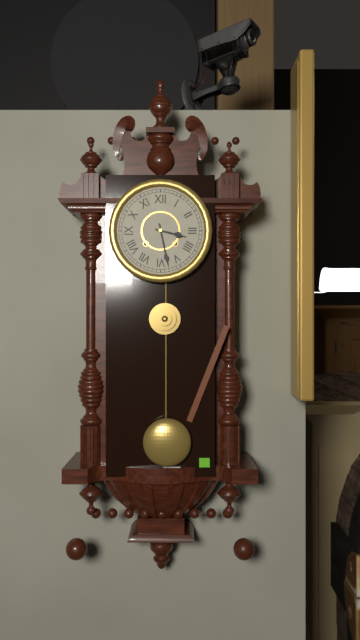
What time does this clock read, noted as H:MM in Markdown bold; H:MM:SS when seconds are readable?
**3:28**
